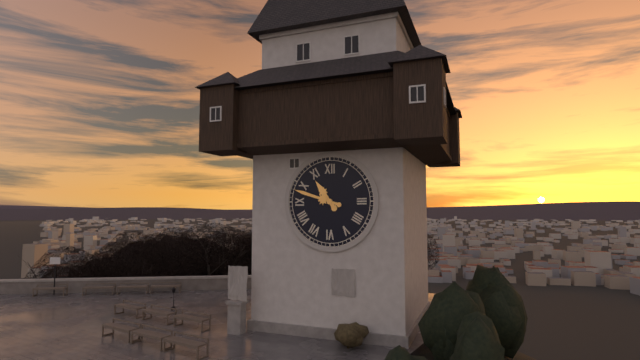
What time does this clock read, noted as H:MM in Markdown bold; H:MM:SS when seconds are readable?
**10:48**
